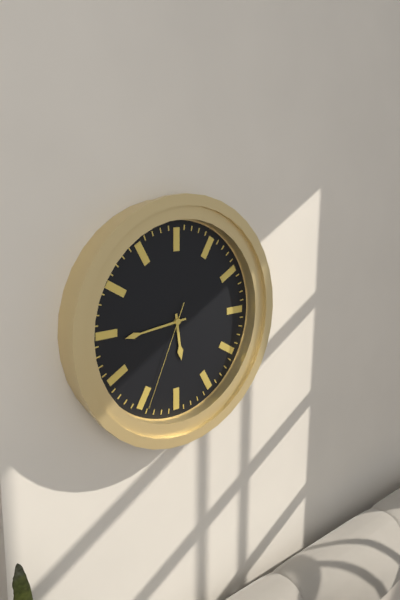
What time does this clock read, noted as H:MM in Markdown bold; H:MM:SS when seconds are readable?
**5:44:34**
